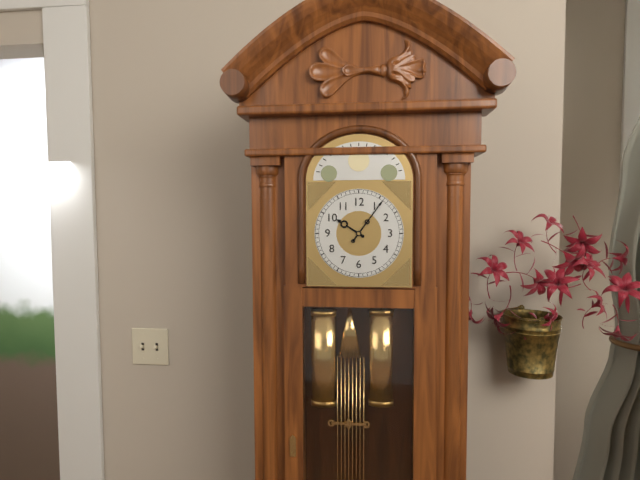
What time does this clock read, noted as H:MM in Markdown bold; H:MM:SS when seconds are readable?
**10:06**
